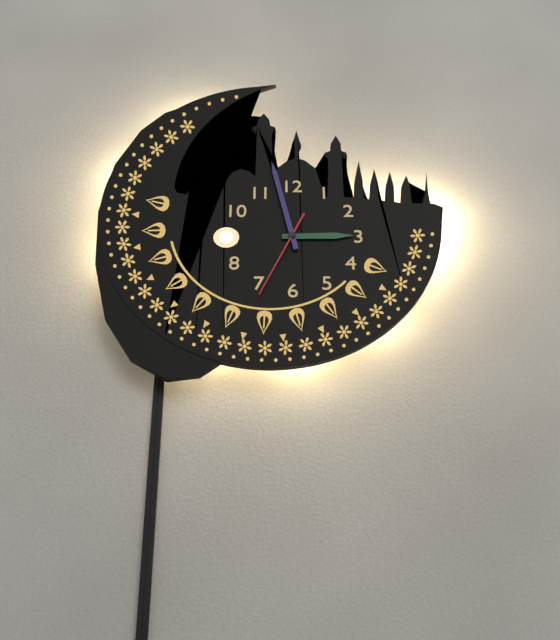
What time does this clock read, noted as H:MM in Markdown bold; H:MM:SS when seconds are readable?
**2:58:34**
